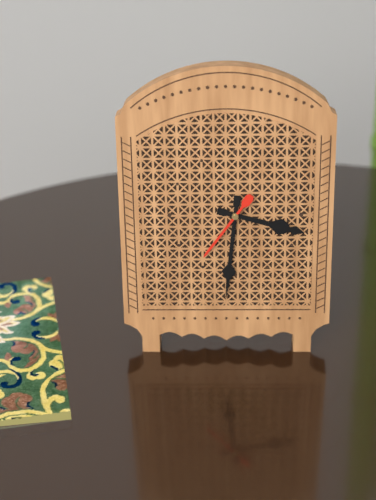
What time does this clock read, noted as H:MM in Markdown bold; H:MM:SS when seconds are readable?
**3:31:36**
